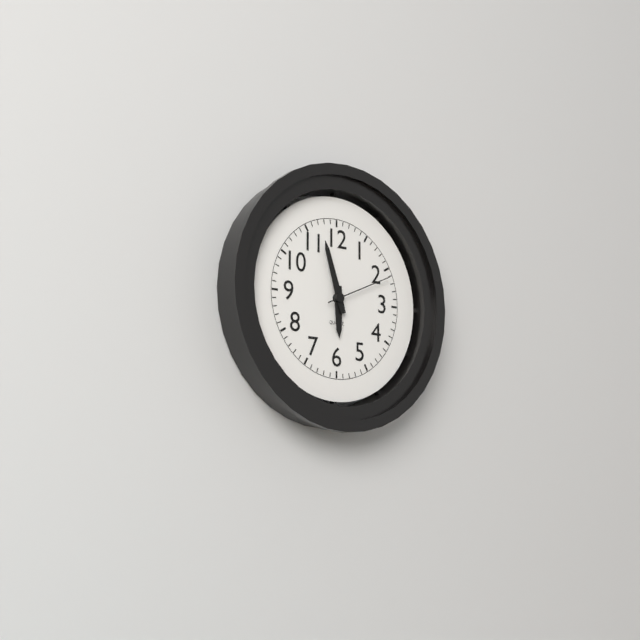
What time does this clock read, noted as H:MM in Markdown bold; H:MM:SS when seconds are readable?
**5:57:11**
